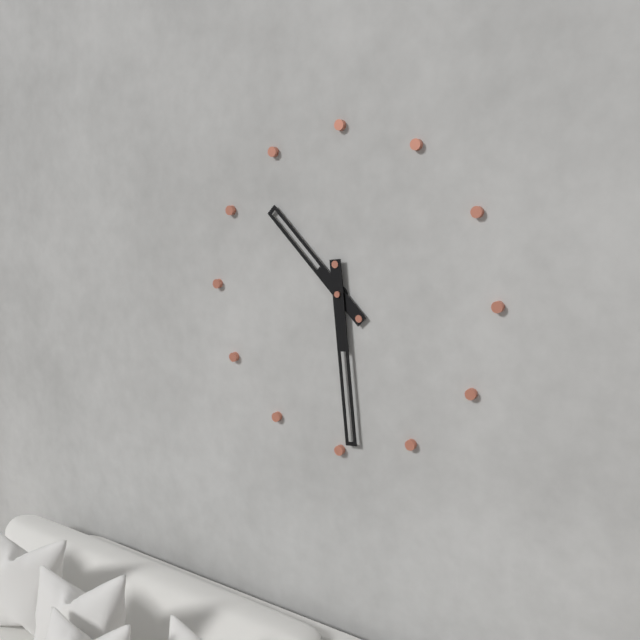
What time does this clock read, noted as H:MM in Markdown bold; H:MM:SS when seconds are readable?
**10:29**
